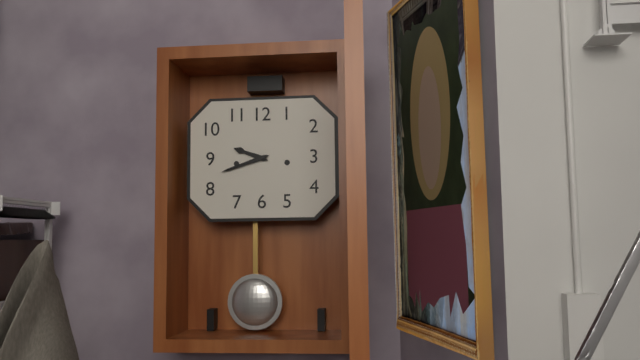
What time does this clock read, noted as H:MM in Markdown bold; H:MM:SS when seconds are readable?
**9:42**
